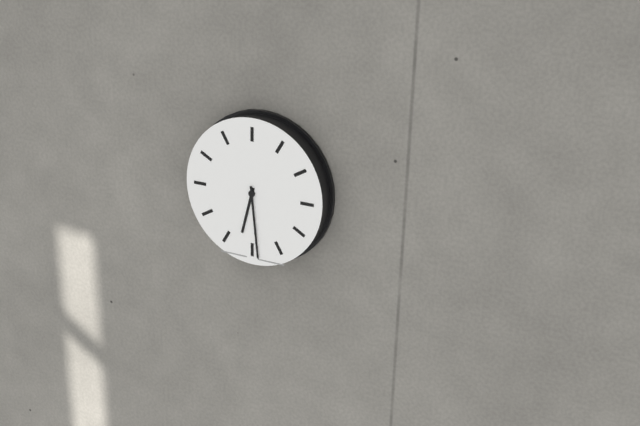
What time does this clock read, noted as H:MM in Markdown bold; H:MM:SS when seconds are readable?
**6:29**
